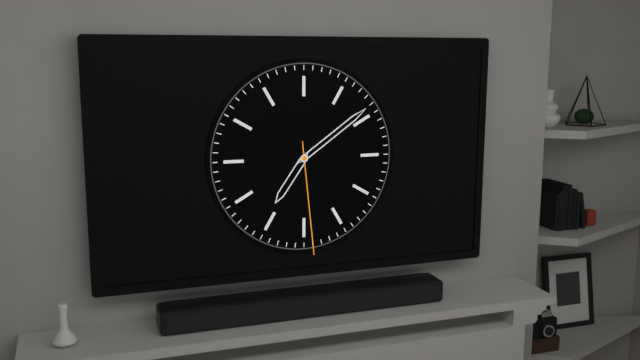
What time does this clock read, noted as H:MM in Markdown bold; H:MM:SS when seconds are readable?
**7:09:29**
